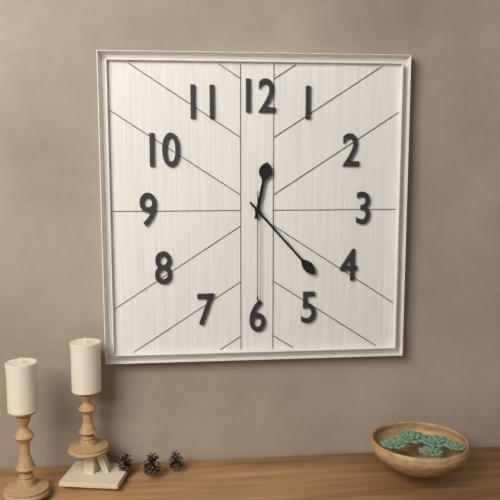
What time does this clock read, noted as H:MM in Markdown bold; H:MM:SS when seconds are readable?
**12:23:30**
